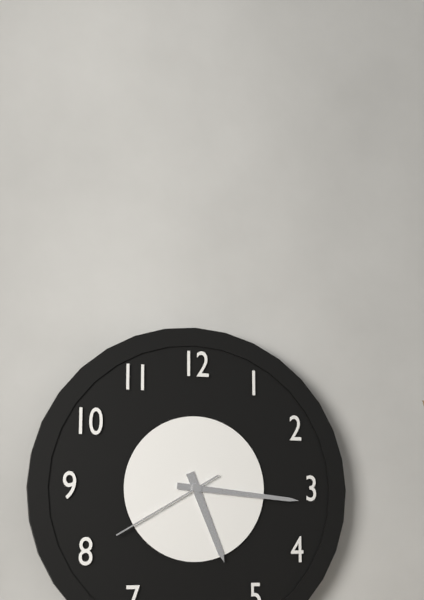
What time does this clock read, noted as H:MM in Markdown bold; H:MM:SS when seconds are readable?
**5:16:40**
